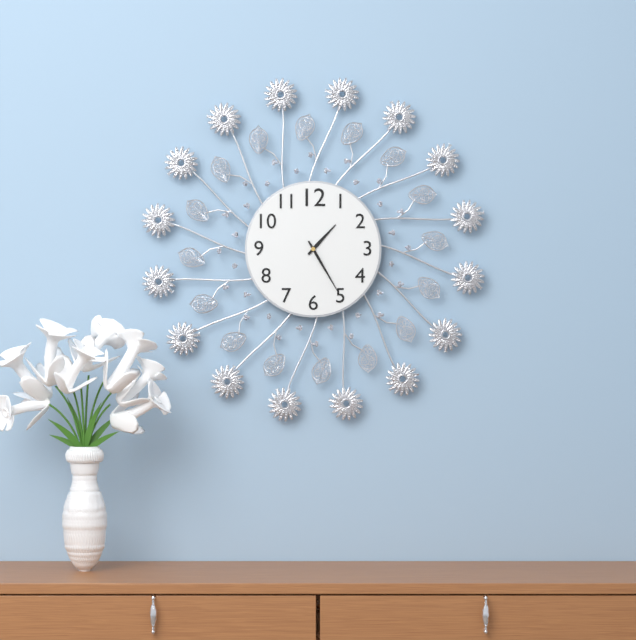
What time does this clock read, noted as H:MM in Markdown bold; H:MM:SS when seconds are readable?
**1:25**
